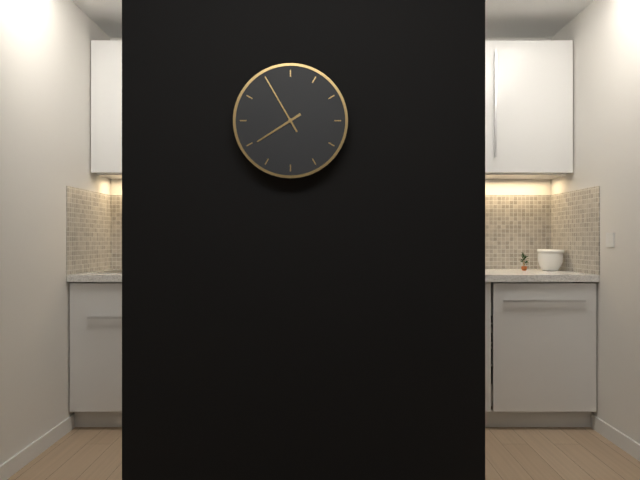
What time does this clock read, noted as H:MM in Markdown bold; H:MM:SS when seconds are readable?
**7:55**
